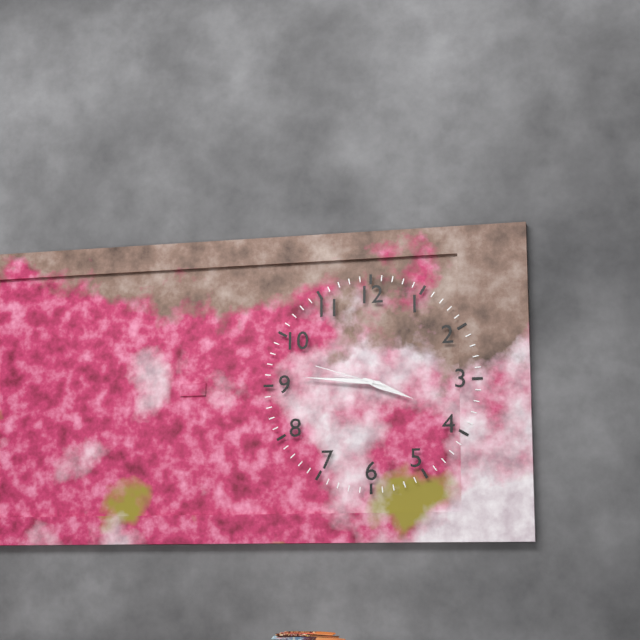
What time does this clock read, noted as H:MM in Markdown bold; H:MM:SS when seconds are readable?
**3:46:48**
